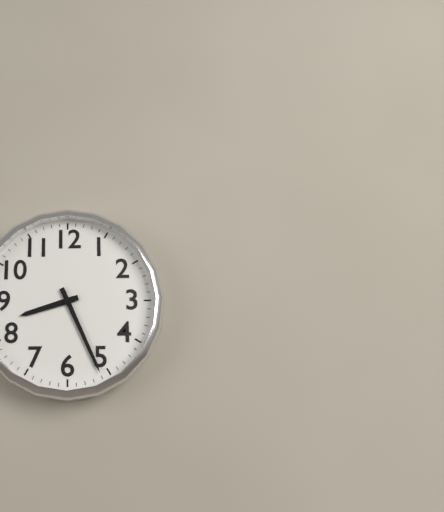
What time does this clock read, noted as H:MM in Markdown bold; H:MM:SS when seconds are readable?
**8:26**
